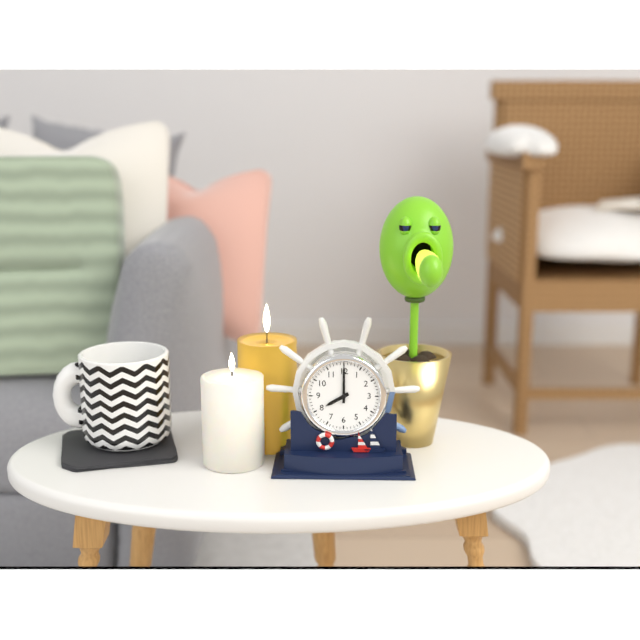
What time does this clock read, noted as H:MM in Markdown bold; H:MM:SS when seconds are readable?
**8:00**
